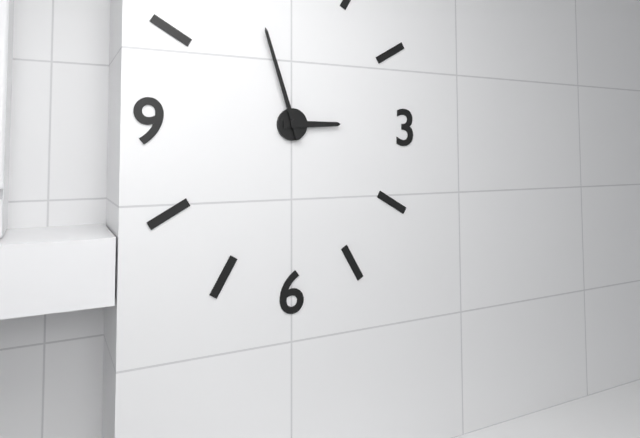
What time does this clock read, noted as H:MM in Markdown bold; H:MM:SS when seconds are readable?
**2:57**
